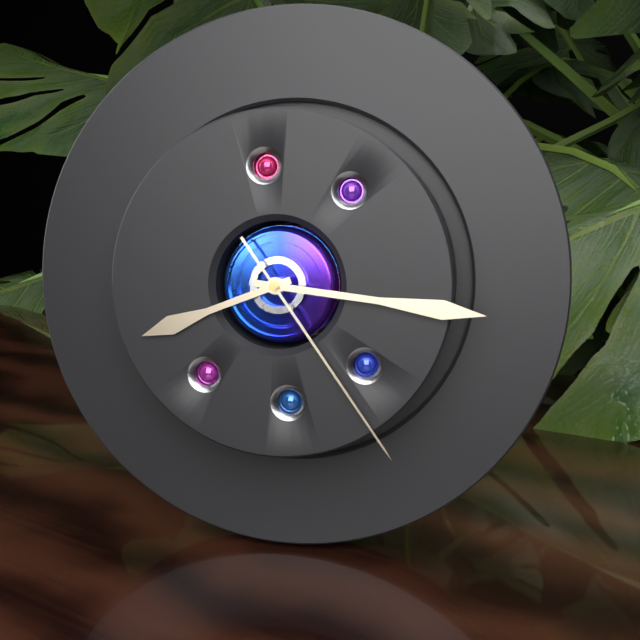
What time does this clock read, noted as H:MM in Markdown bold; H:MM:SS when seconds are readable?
**8:16:24**
